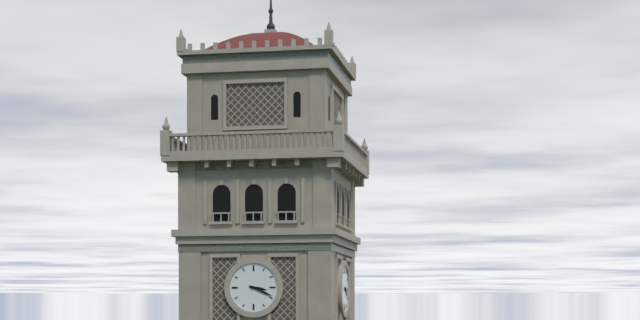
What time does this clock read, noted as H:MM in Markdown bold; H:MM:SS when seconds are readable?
**3:19**
